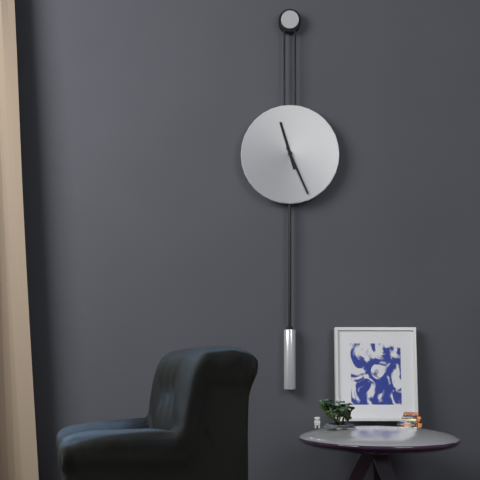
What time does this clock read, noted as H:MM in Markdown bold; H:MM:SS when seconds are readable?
**11:26**
